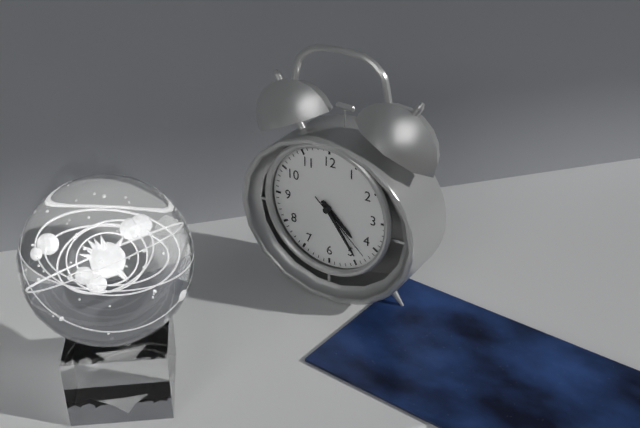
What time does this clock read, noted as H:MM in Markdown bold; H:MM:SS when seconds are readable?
**4:24:22**
